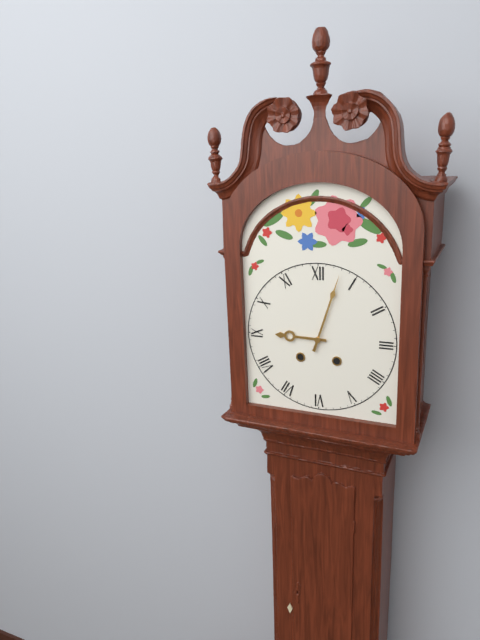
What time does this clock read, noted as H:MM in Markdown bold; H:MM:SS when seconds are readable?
**9:03**
